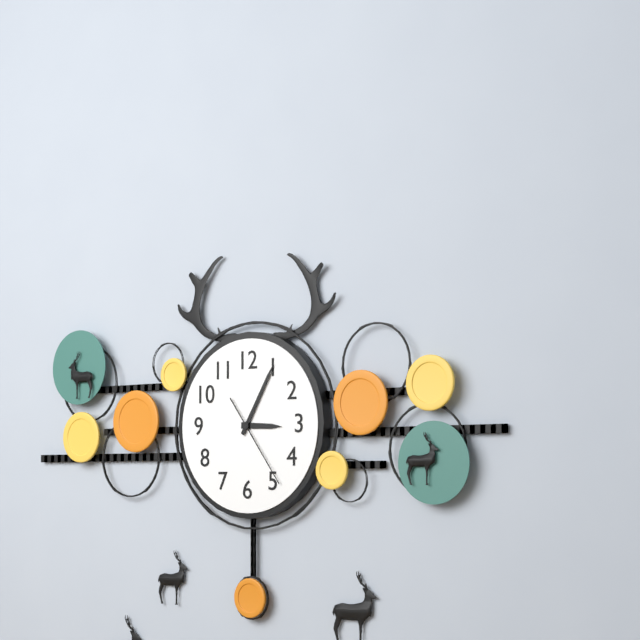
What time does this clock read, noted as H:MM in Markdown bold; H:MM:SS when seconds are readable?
**3:05:24**
